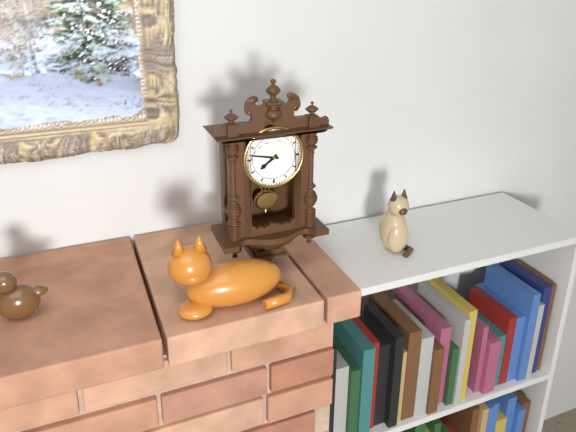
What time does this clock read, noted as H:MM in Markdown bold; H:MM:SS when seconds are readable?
**7:47**
